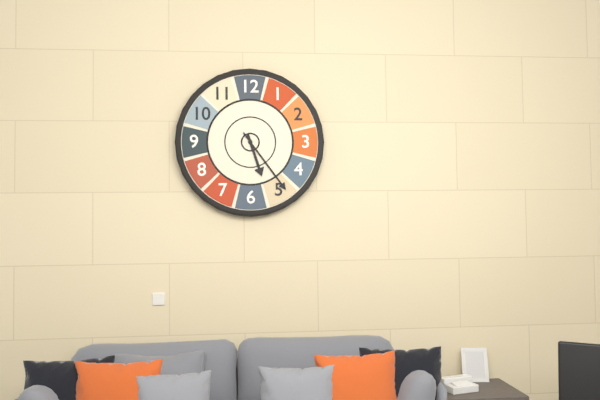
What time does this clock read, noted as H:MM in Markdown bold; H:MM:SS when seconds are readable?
**5:24**
